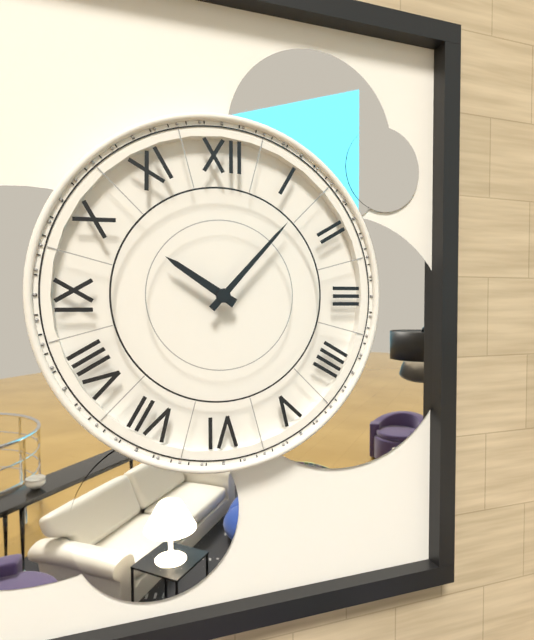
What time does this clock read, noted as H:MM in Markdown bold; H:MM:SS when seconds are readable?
**10:07**
